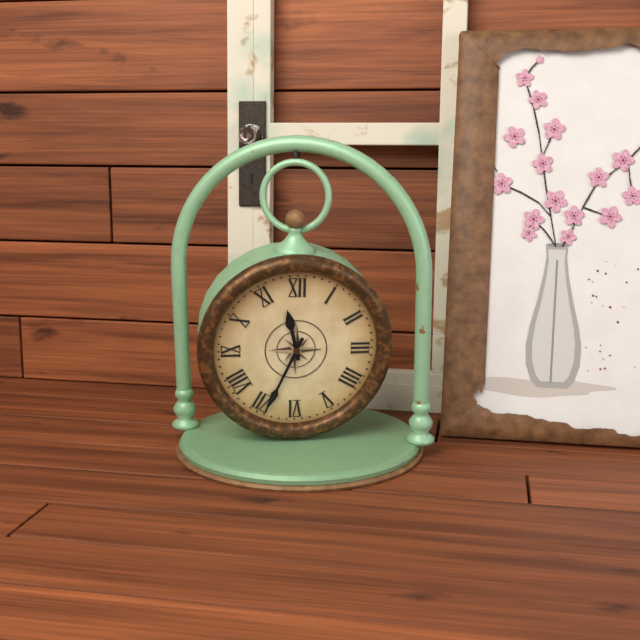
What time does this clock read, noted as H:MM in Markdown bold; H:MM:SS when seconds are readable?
**11:34**
